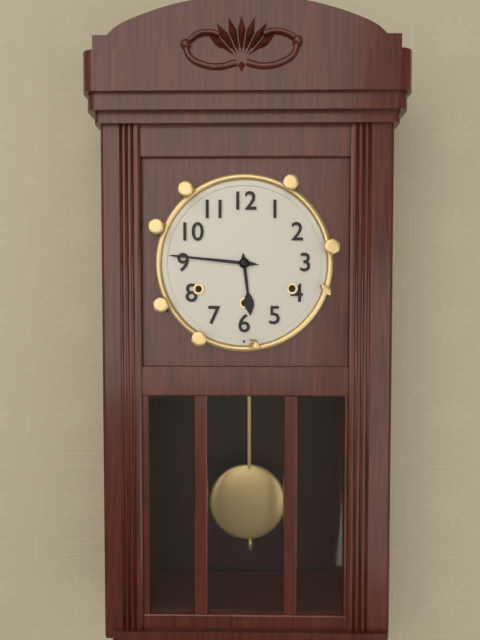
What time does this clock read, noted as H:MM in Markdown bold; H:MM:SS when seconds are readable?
**5:46**
